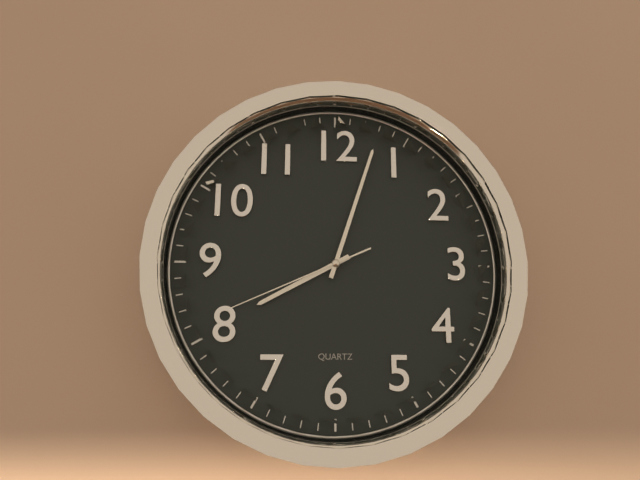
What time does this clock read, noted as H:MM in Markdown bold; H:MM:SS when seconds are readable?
**8:03:41**
